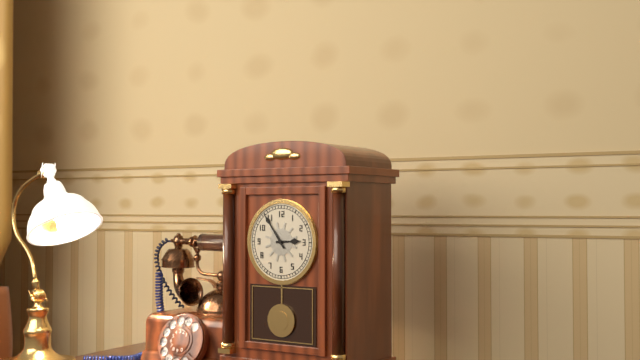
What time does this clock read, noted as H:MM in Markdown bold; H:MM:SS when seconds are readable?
**2:54**
